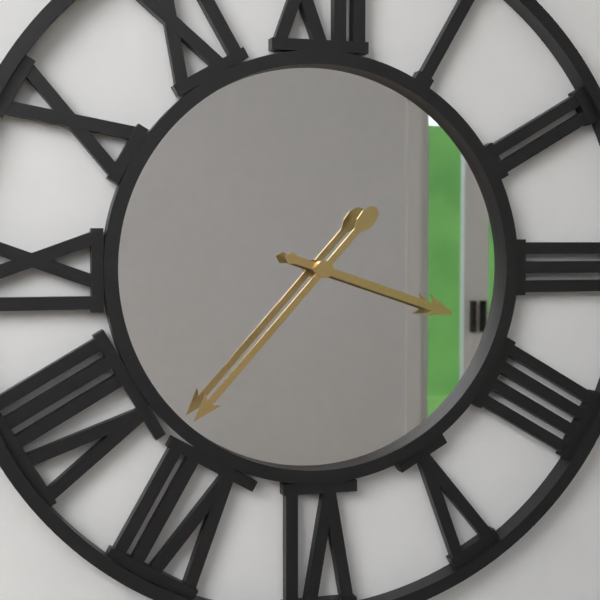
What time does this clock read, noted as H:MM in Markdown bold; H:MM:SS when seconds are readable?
**3:37**
